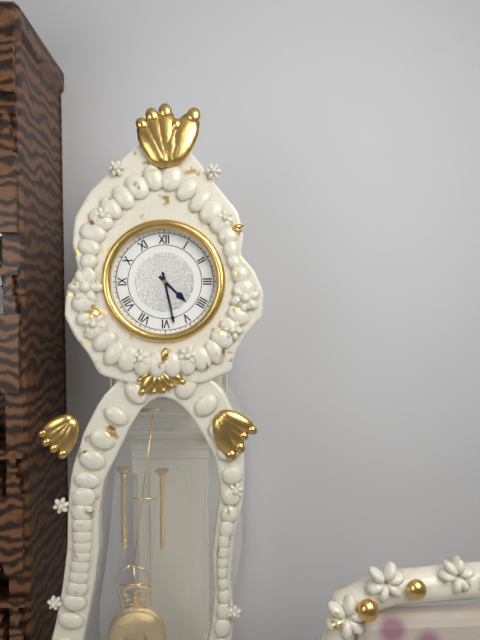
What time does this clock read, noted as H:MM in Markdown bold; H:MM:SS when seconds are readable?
**4:28**
